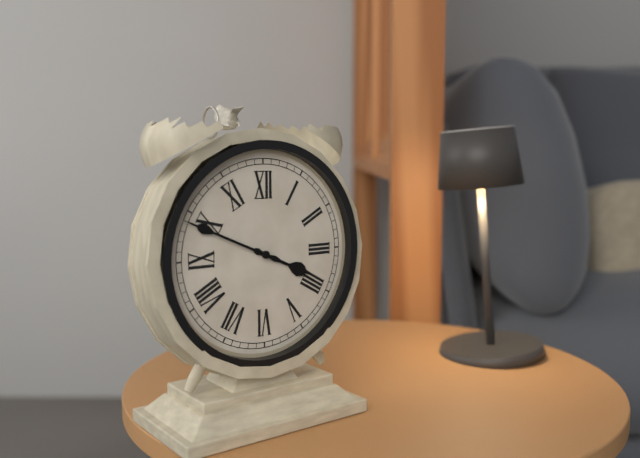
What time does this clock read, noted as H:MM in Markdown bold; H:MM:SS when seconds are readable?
**3:49**
